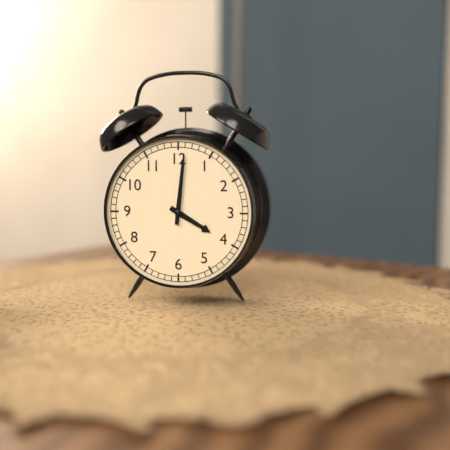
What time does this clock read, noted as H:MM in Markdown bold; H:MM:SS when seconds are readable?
**4:01**
